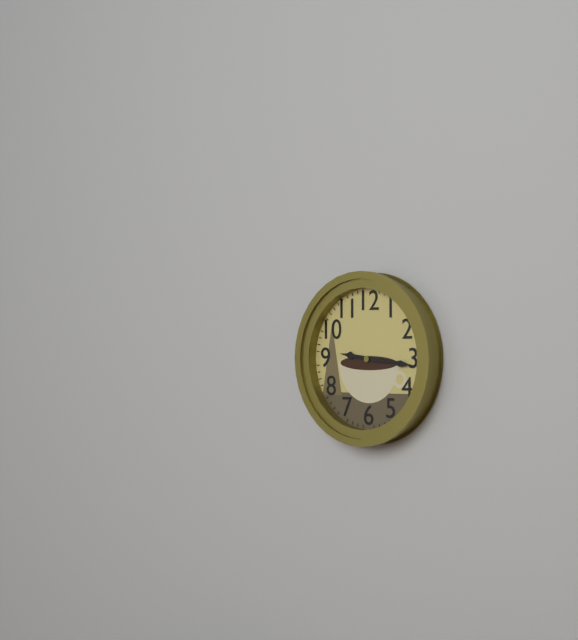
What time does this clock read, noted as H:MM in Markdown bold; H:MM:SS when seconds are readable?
**9:16**
